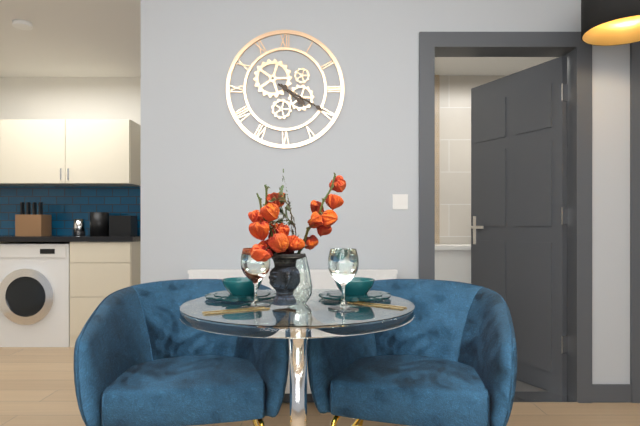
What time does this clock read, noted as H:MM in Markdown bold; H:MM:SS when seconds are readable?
**4:20**
